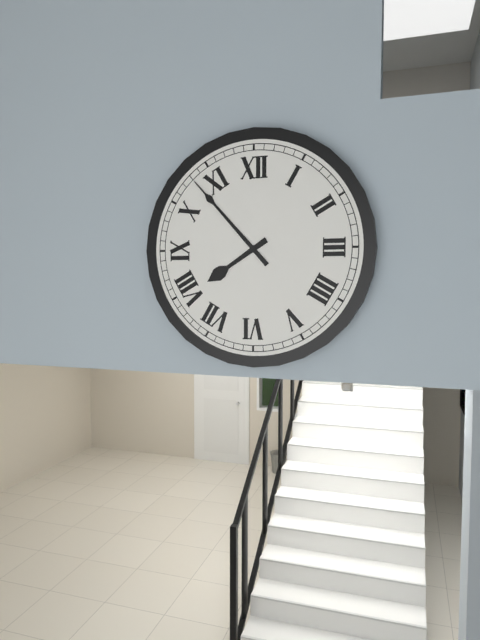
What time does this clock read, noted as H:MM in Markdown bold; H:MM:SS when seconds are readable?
**7:53**
